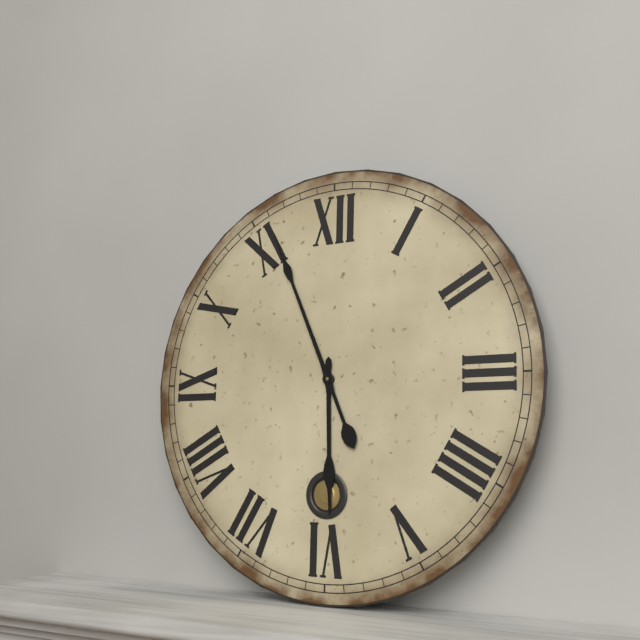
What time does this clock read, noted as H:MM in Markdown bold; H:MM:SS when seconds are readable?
**5:56**
